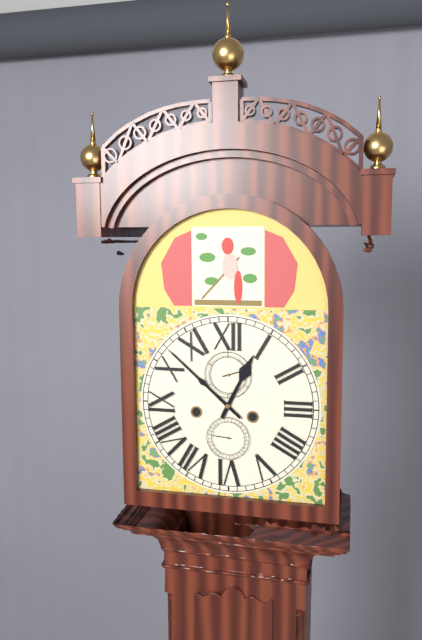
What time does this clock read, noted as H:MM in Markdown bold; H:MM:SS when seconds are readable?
**12:52**
